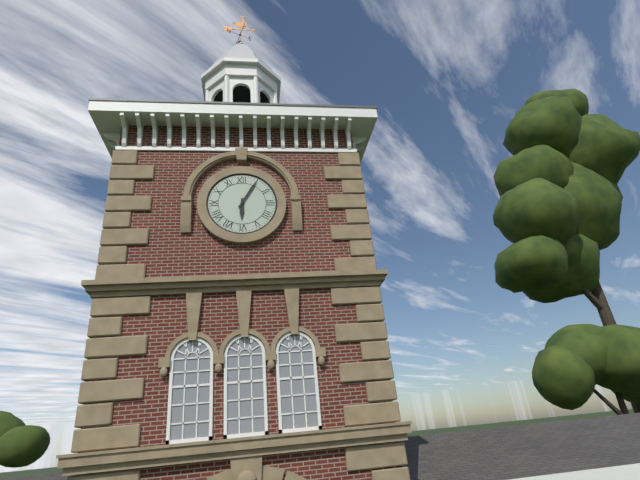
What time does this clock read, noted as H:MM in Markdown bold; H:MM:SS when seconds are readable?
**6:05**
